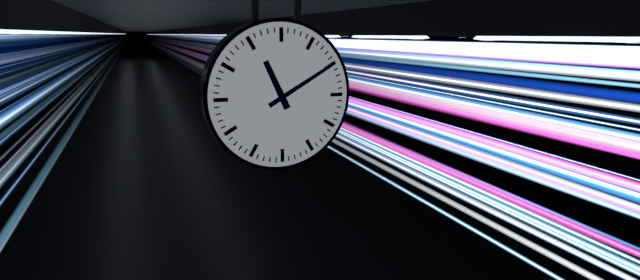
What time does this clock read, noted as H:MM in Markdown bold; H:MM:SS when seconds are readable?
**11:10**
